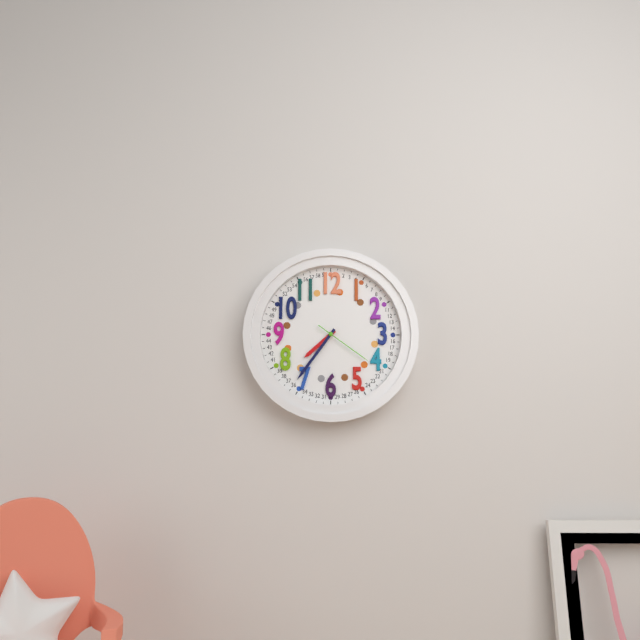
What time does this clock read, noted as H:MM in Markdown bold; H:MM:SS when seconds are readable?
**7:36:21**
